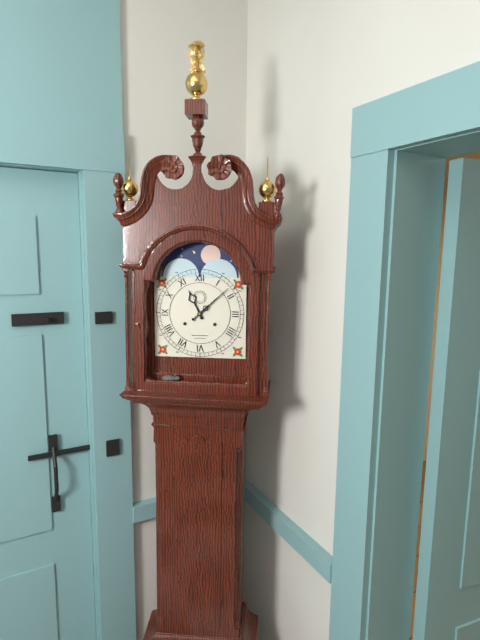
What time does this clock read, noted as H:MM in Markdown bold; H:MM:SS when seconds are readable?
**11:08**
